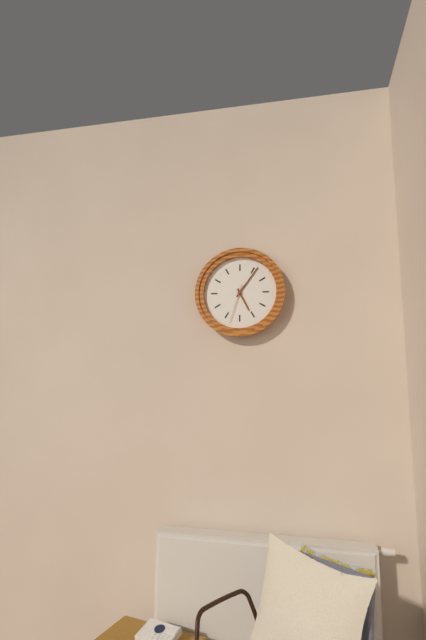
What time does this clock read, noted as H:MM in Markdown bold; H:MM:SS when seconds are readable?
**5:06**
